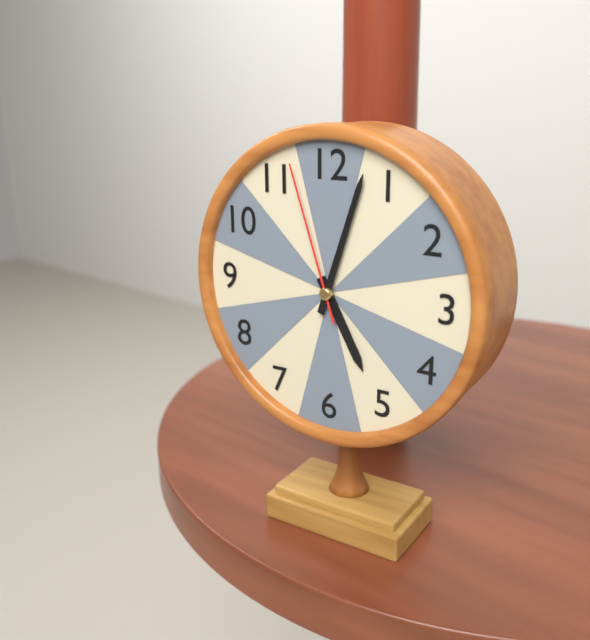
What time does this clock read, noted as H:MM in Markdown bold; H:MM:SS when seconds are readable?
**5:03:57**
